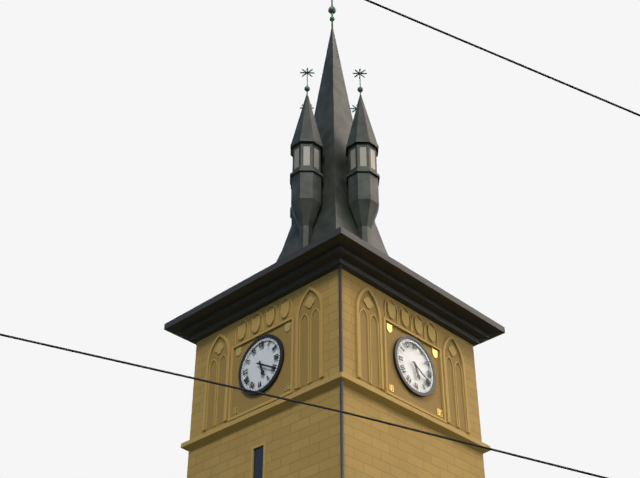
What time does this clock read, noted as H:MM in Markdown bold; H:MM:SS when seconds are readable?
**5:20**
